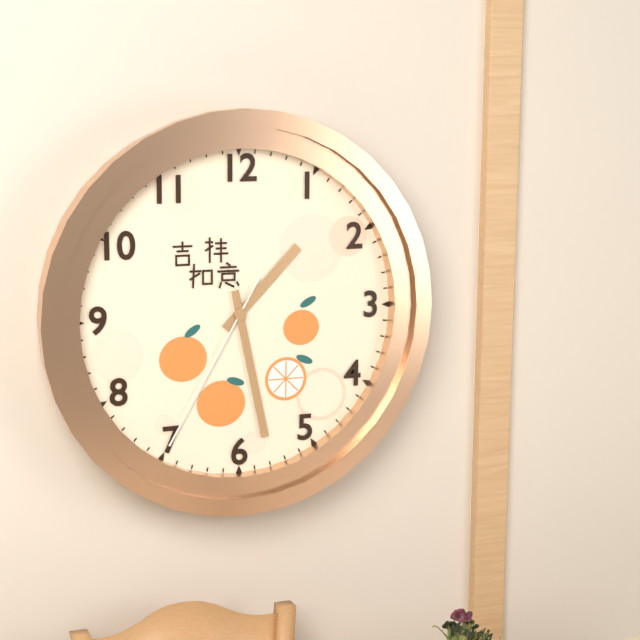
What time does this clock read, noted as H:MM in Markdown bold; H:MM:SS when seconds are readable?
**1:28:35**
